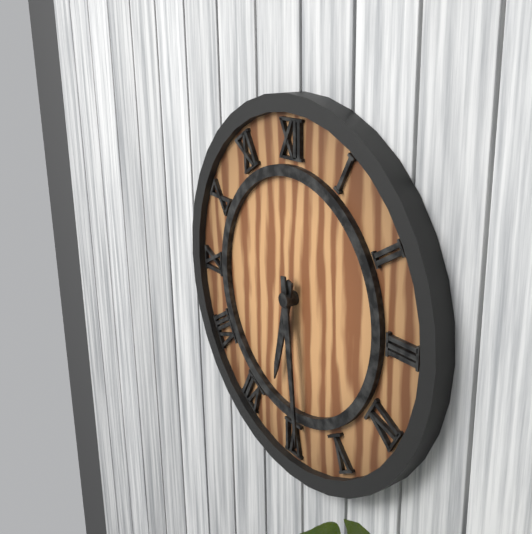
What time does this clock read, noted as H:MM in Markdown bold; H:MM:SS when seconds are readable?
**6:29**
